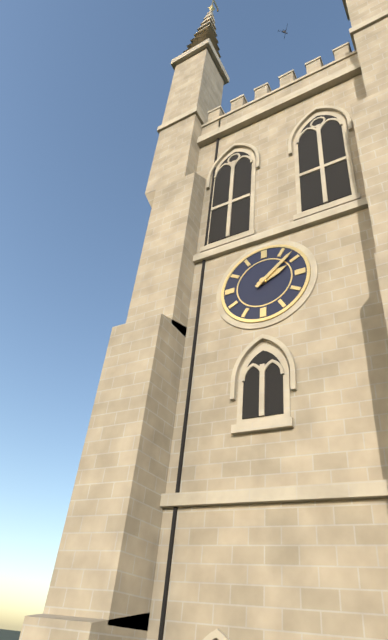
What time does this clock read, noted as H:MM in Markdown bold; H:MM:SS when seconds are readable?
**2:08**
